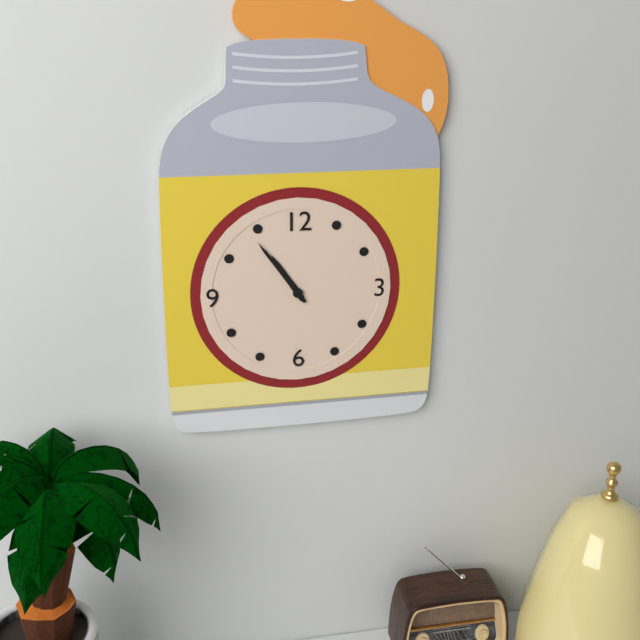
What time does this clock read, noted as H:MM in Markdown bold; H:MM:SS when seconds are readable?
**10:54**
